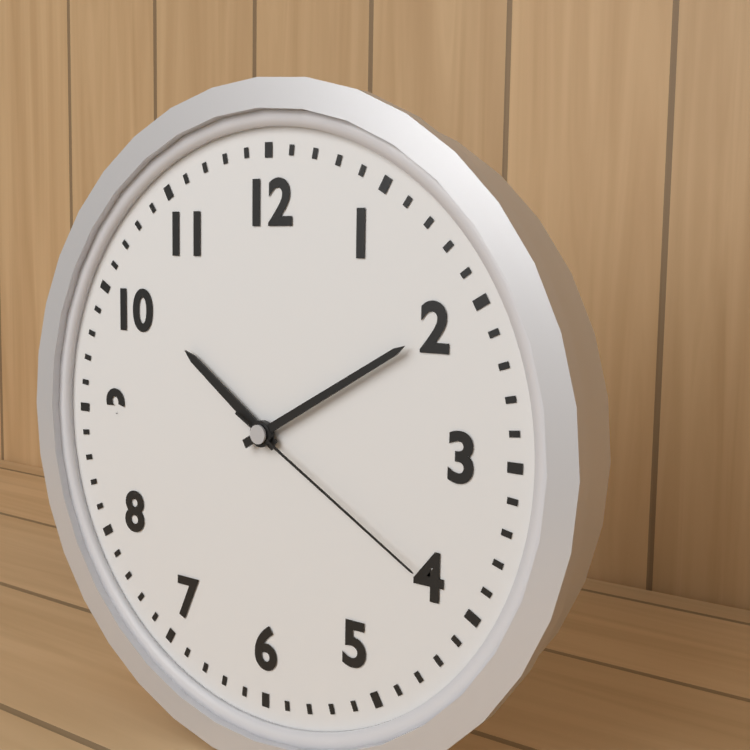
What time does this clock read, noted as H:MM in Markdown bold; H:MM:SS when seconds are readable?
**10:10:20**
